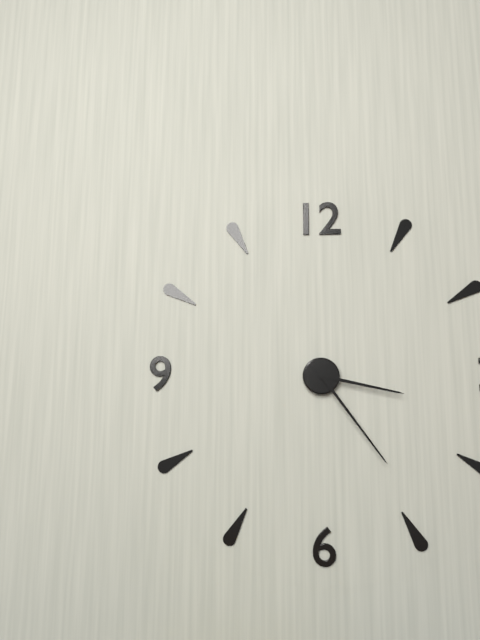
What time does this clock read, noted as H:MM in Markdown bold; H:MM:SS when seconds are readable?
**3:24**
